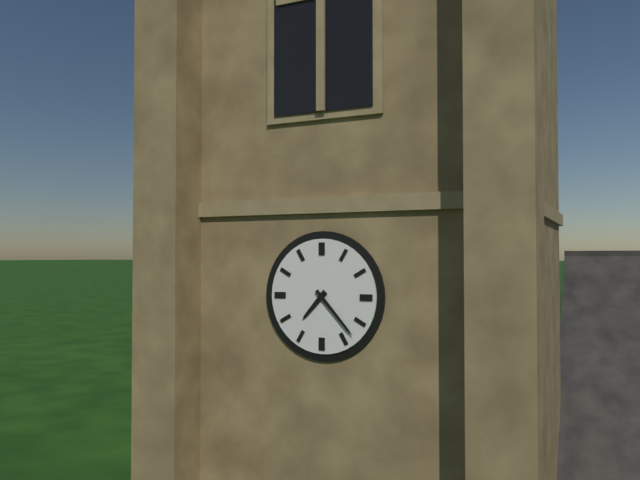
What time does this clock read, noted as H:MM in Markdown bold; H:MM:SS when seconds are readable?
**7:23**
